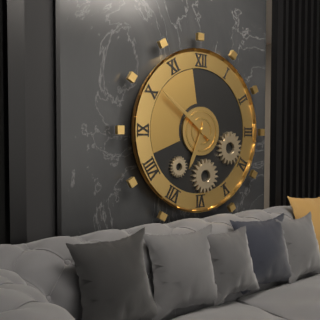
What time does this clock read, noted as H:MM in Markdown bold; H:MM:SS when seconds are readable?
**6:51**
